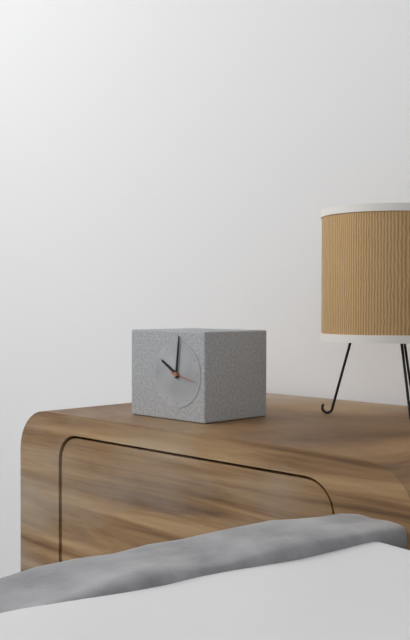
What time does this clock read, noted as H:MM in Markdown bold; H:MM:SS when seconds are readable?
**10:01**
